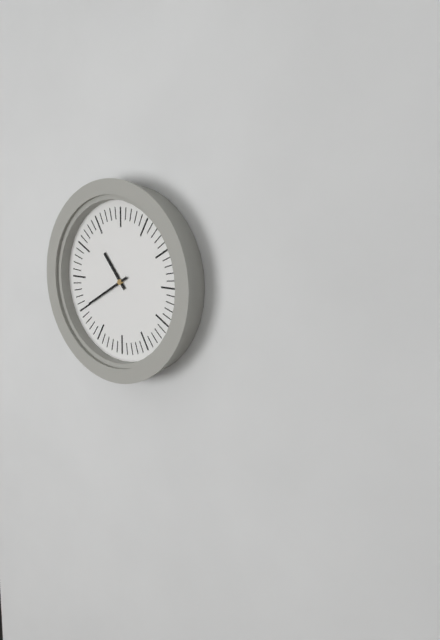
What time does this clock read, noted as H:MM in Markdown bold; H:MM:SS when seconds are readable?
**10:40**
